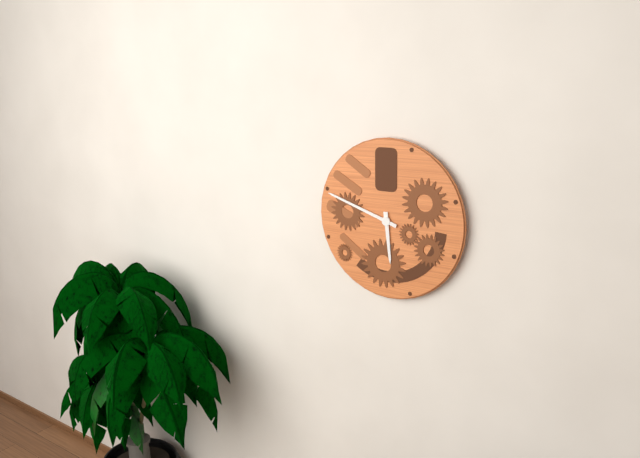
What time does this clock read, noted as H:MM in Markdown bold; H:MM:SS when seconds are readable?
**5:48**
